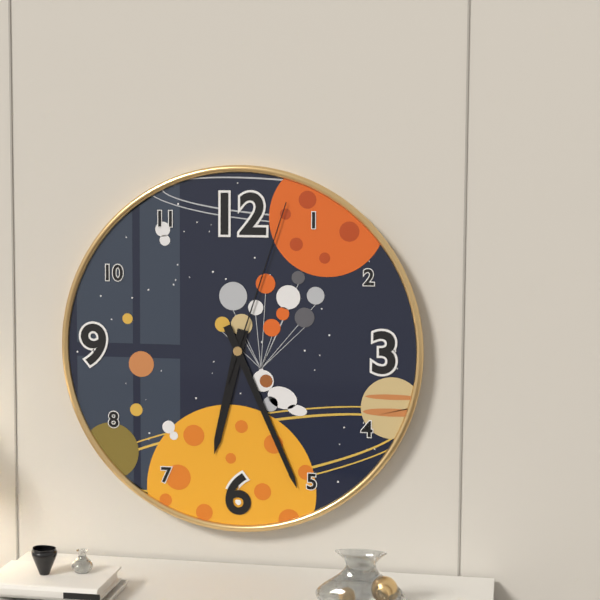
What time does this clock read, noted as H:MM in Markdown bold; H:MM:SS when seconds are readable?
**6:26:03**
